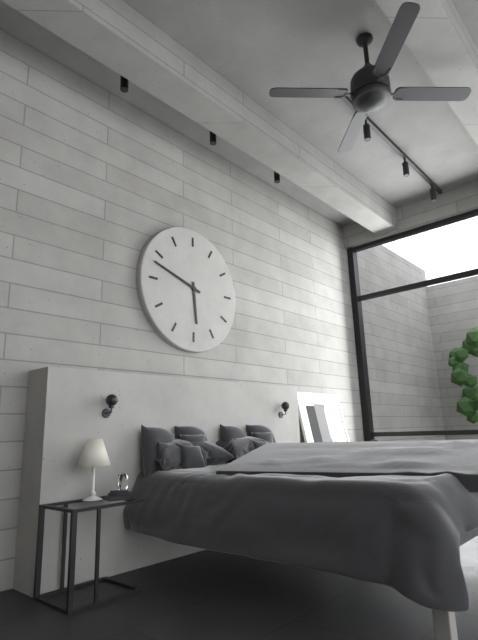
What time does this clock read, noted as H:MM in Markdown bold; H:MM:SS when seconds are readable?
**5:48**
